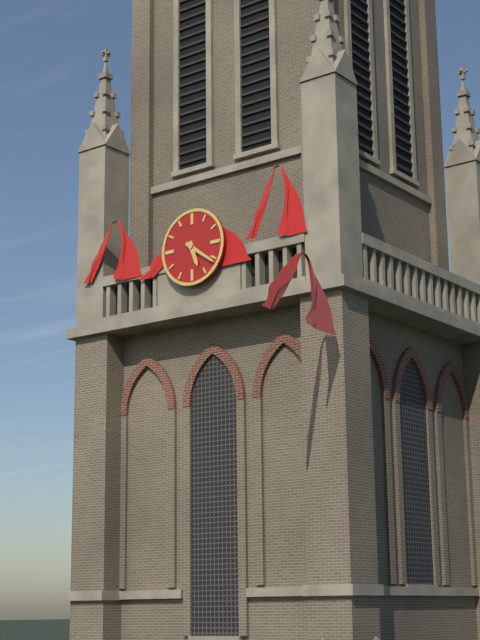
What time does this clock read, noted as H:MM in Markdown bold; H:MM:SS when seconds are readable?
**5:21**
